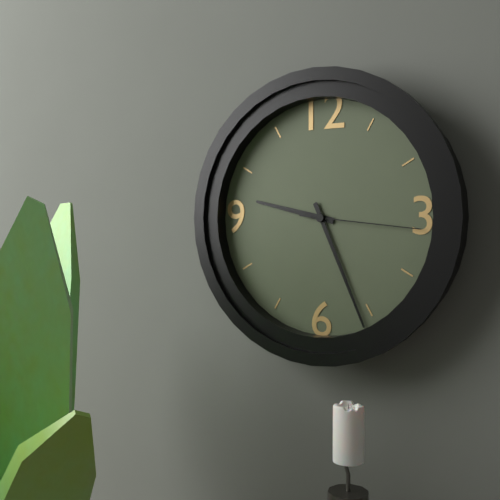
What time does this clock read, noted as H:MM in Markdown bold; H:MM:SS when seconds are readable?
**9:26:16**
